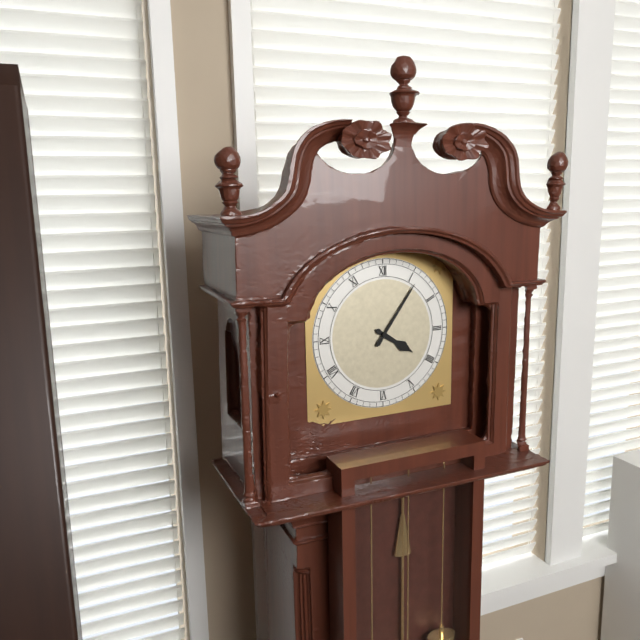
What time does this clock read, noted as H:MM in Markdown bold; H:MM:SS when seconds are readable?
**4:06**
